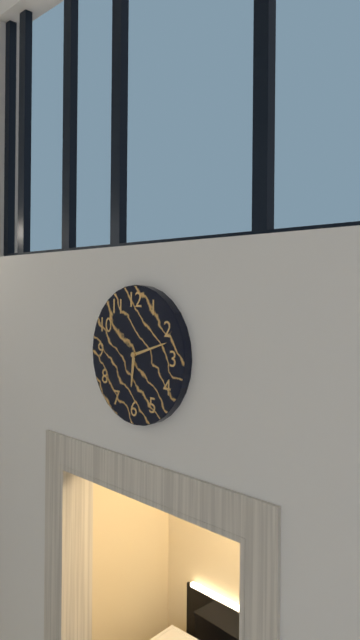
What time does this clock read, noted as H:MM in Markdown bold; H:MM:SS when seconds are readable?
**6:12**
